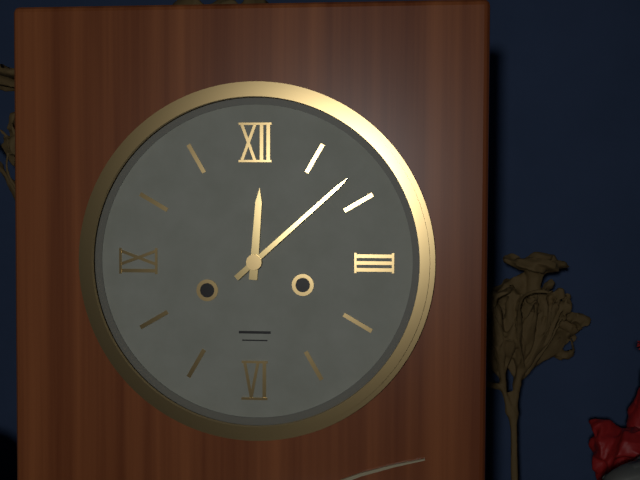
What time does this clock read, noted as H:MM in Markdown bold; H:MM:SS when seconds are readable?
**12:08**
